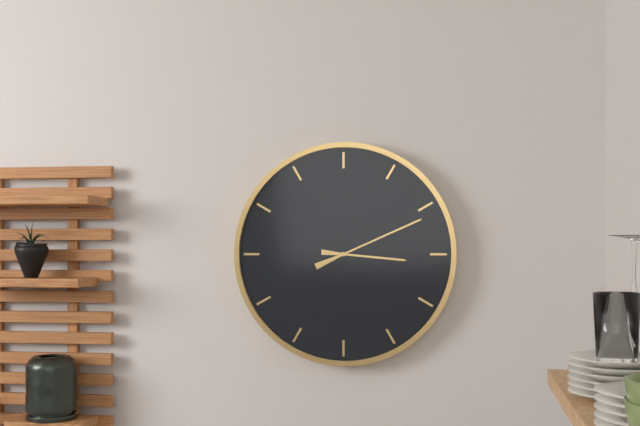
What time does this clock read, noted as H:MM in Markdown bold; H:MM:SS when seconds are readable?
**3:11**
